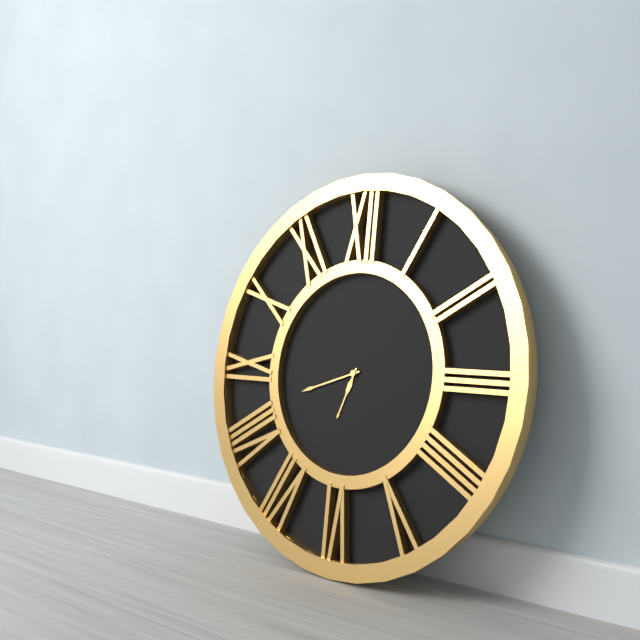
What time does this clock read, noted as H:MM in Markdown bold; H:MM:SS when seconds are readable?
**6:42**
